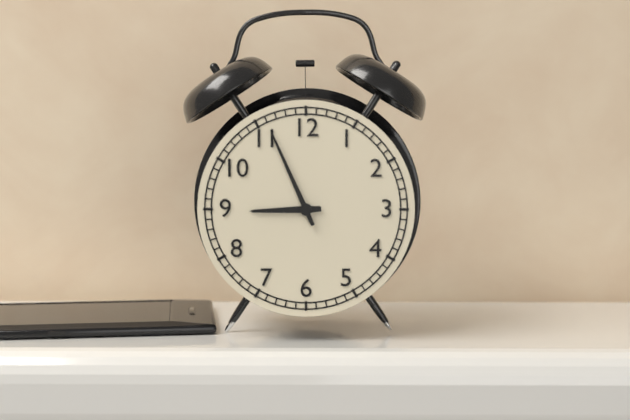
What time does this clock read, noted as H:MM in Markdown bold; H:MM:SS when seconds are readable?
**8:56**
